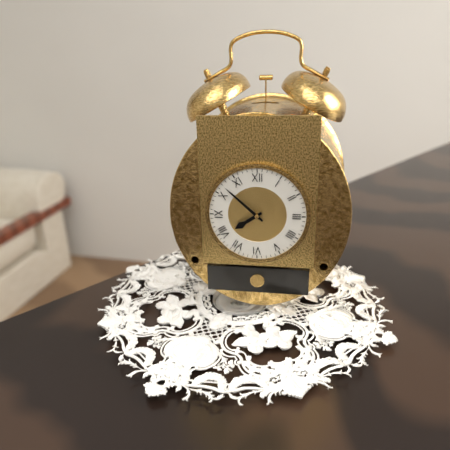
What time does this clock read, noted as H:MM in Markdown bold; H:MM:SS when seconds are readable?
**7:52**
